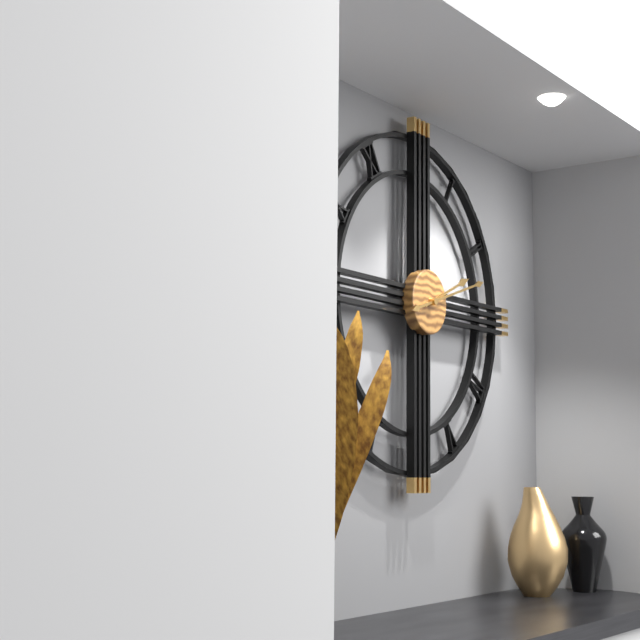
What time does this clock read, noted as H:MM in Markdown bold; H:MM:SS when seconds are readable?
**2:12**
